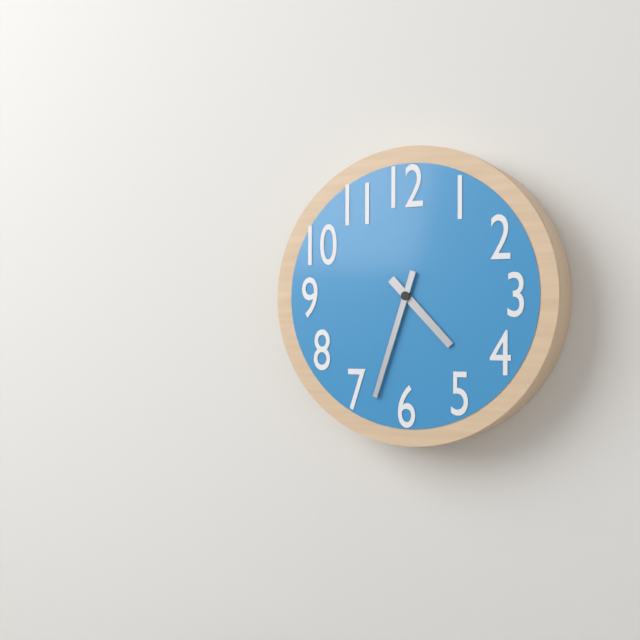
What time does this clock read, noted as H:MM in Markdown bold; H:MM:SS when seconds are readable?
**4:33**
